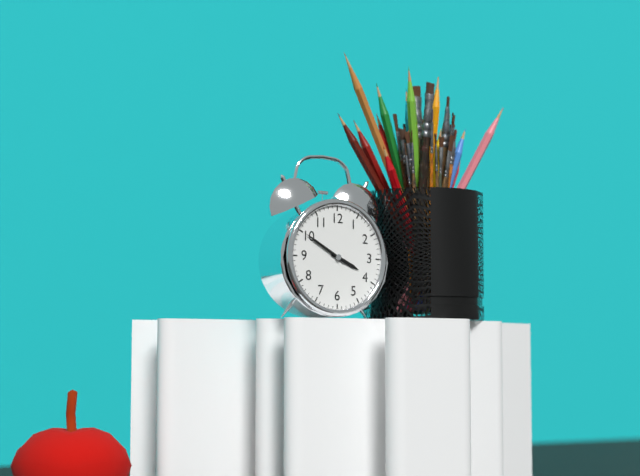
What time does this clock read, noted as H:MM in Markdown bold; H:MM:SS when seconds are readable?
**3:50**
